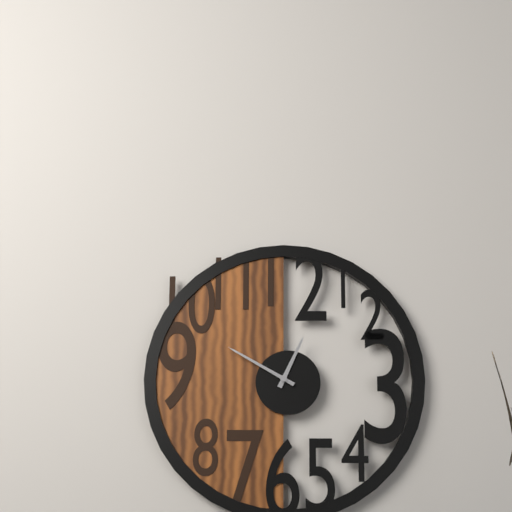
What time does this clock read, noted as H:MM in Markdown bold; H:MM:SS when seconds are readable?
**12:50**
